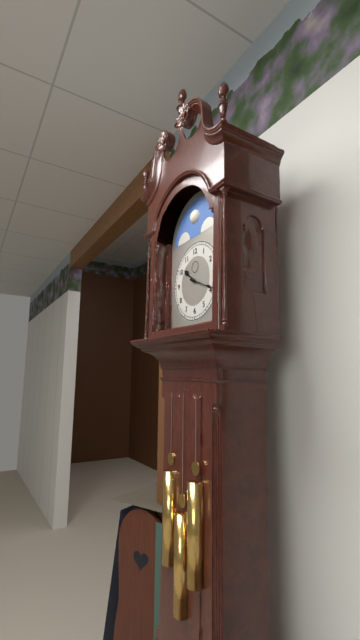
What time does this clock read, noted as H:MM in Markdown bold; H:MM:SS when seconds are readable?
**10:19**
